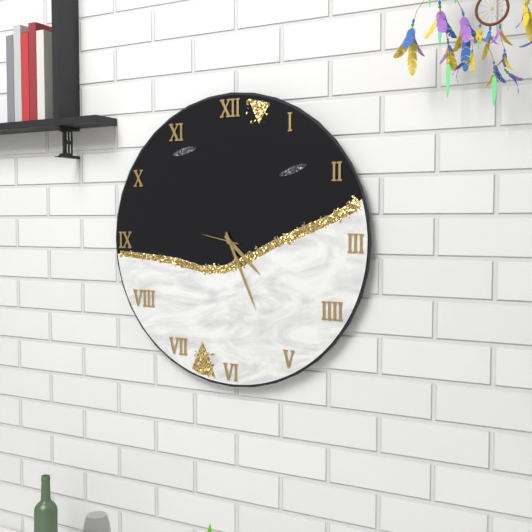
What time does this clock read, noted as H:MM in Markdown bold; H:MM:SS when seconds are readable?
**4:26**
